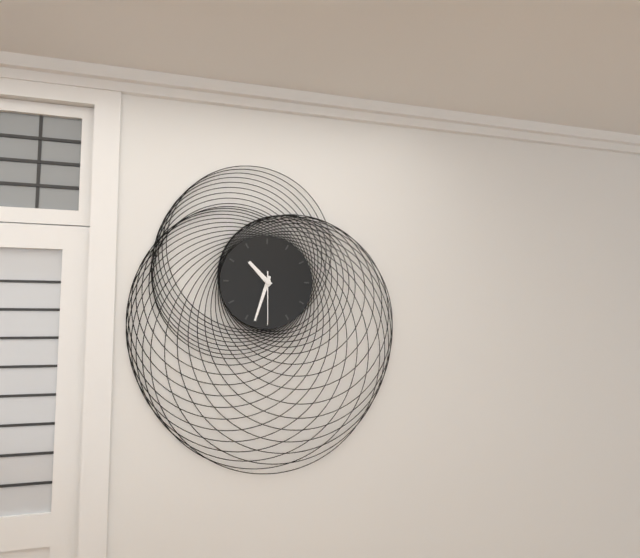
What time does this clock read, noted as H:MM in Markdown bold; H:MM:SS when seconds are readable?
**10:33:30**
